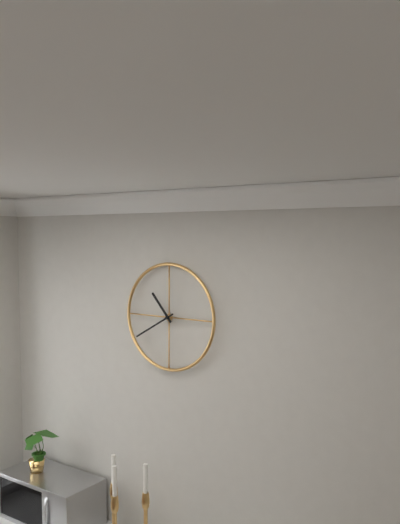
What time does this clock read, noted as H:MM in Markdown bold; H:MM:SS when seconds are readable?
**10:40**
